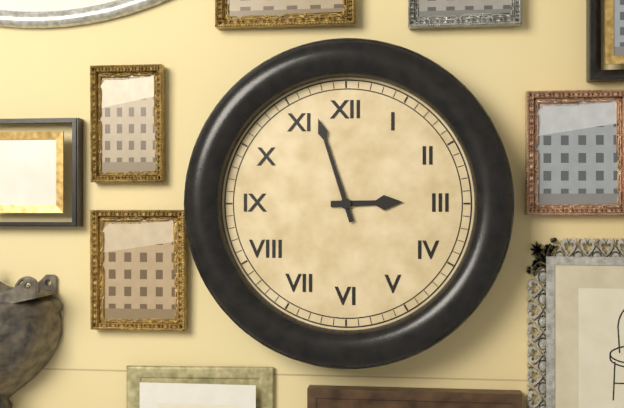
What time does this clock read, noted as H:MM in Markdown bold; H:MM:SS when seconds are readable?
**2:57**
